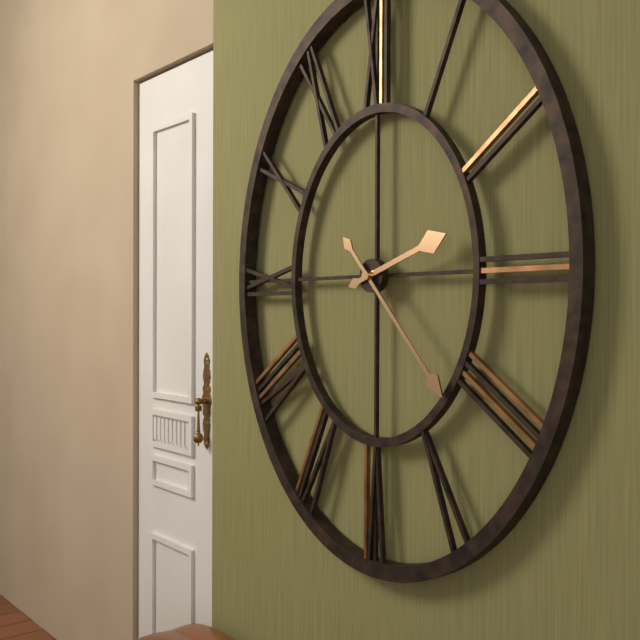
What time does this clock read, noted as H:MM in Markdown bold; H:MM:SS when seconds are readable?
**2:23**
